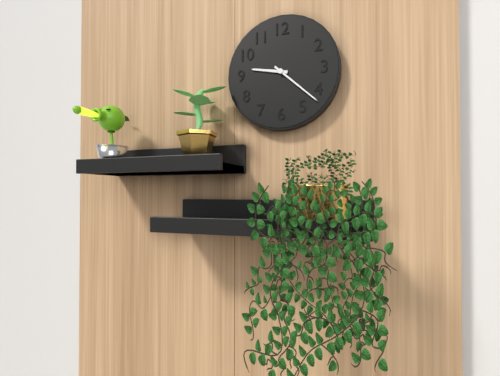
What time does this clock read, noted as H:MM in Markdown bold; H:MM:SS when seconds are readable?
**9:22**
